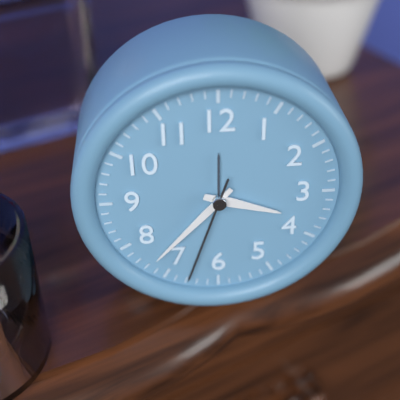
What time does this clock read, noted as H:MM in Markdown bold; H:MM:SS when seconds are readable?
**3:37:33**
